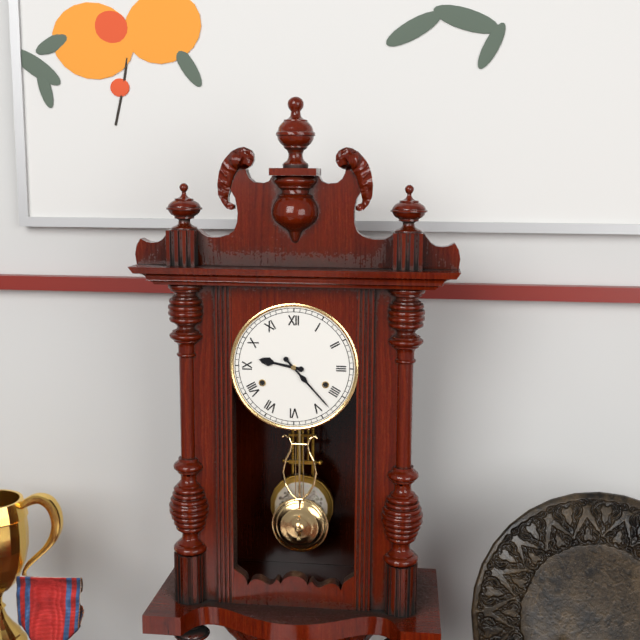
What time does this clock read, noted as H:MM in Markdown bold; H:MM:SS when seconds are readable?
**9:23**
